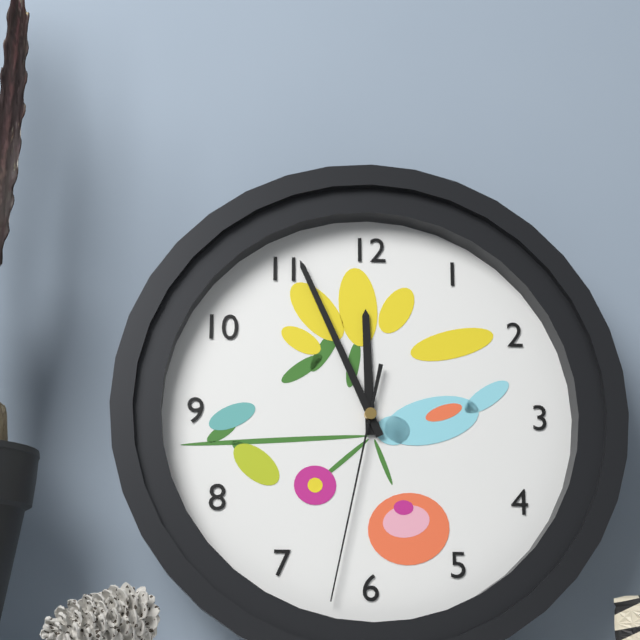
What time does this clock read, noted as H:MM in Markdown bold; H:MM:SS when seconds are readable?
**11:56:32**
